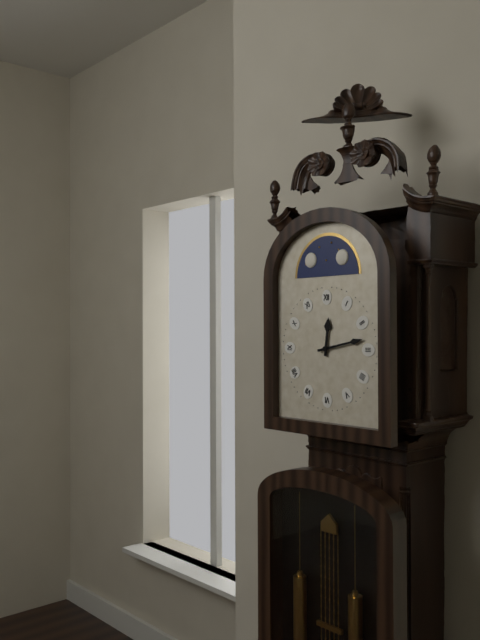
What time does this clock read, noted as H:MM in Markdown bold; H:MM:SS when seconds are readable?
**12:13**
